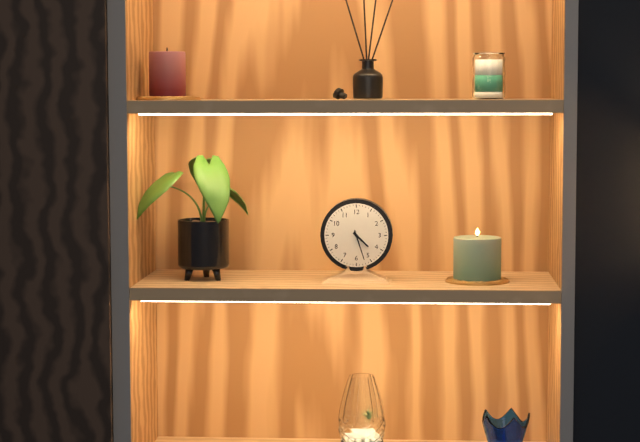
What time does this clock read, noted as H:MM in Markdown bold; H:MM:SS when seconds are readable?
**4:27**
